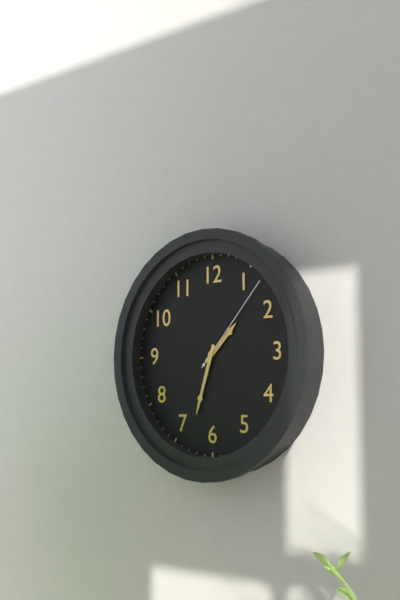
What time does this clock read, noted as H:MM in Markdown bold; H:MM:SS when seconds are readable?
**1:33:07**
